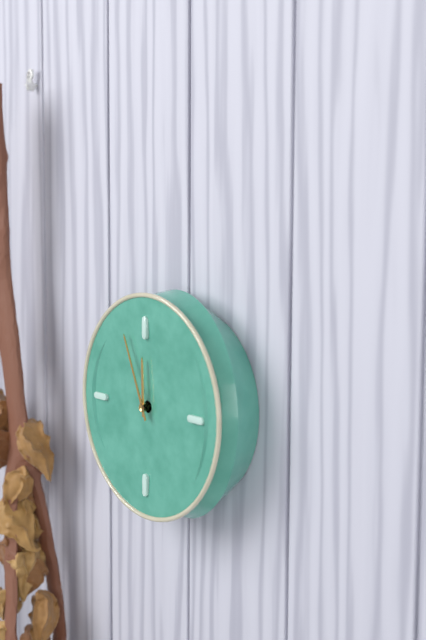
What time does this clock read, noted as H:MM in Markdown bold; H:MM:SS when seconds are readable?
**11:56**
